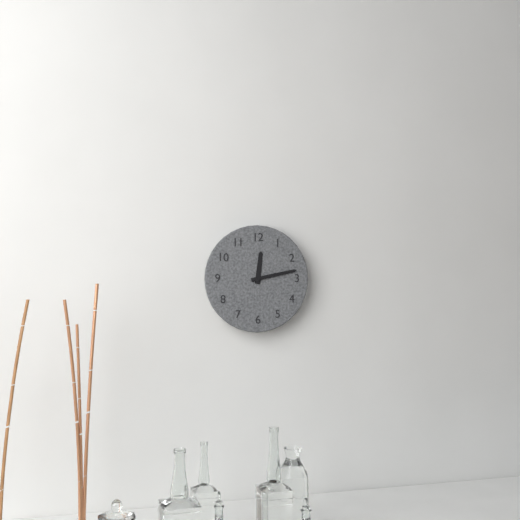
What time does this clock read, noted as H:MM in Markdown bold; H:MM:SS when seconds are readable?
**12:13**
